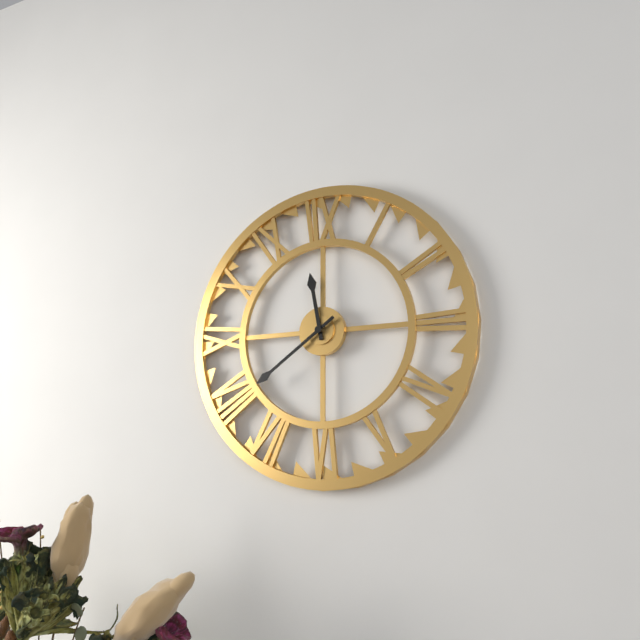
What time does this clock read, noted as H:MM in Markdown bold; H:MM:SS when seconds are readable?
**11:39**
